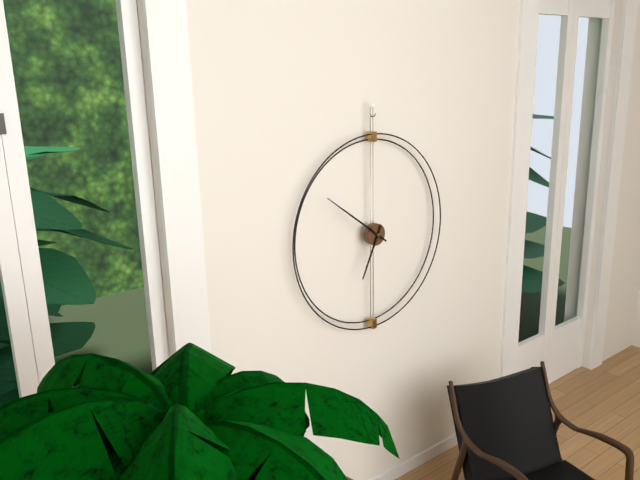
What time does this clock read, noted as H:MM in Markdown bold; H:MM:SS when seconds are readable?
**6:51**
